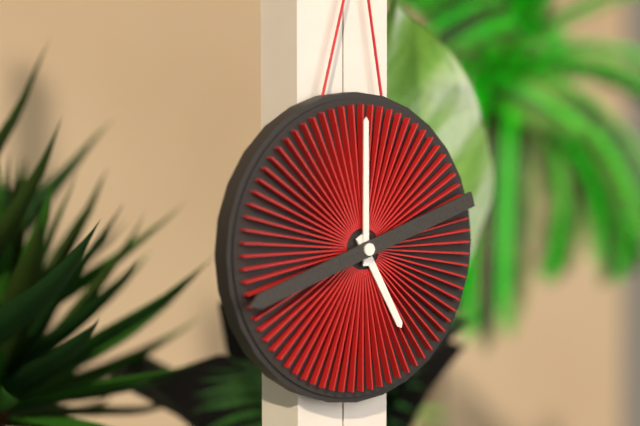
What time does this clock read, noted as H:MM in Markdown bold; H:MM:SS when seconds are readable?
**5:00:42**
